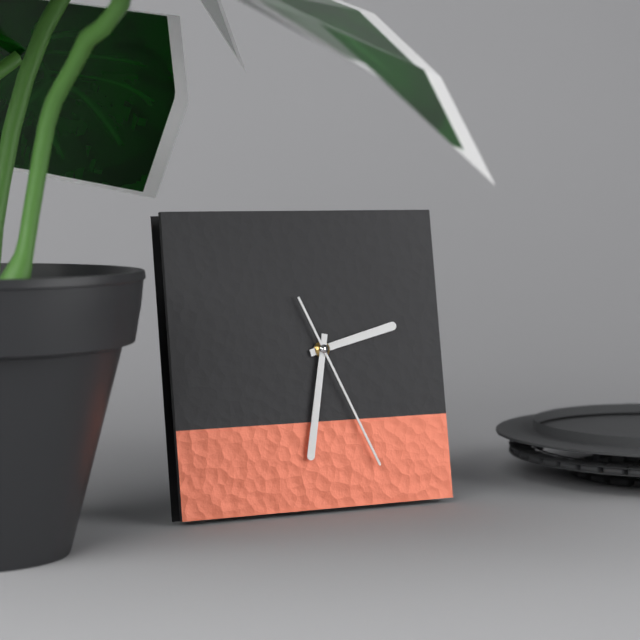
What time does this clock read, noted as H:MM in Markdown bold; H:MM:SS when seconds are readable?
**2:32:26**
